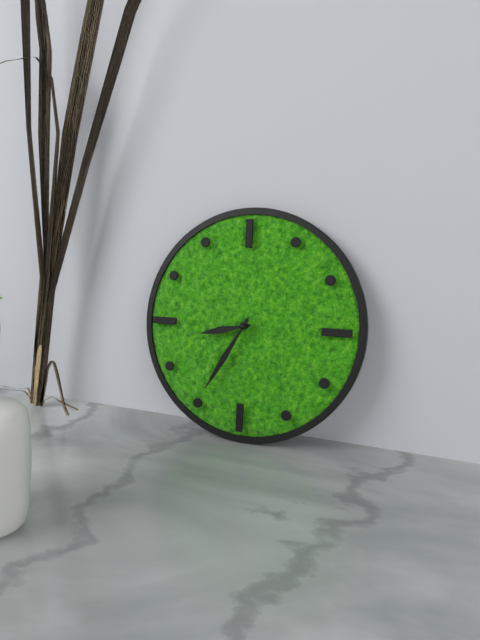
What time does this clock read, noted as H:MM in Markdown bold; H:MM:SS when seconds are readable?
**8:35**
